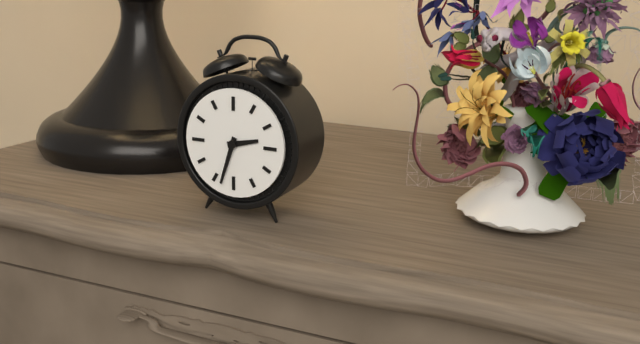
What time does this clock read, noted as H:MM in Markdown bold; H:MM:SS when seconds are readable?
**2:33**
